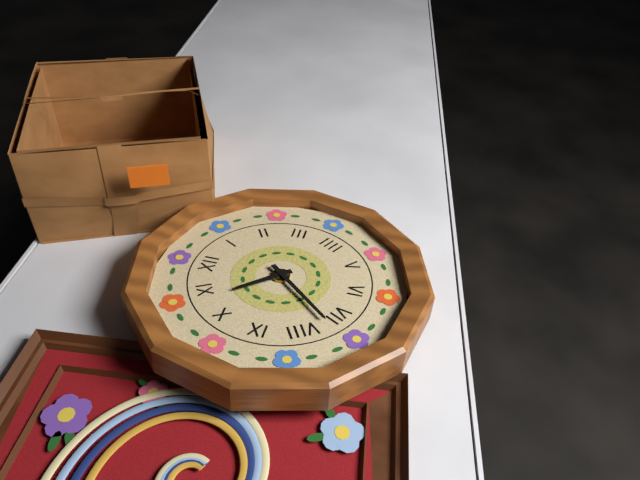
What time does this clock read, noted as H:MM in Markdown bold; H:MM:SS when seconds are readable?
**10:37**
